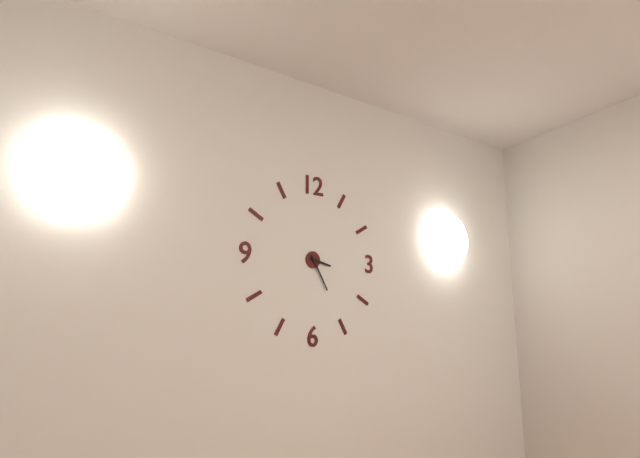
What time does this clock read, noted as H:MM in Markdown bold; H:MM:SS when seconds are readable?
**3:25**
